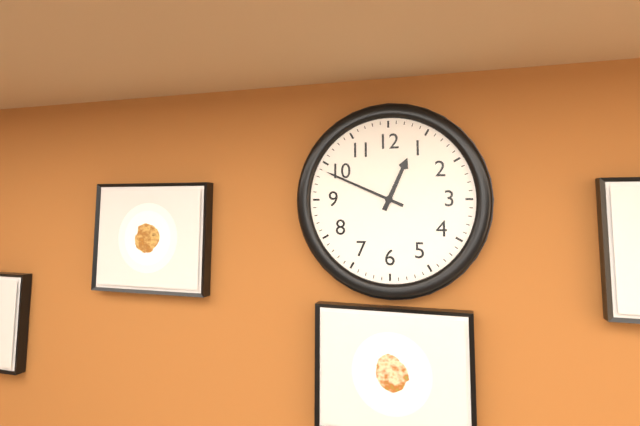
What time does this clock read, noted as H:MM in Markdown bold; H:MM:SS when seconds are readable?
**12:49**
